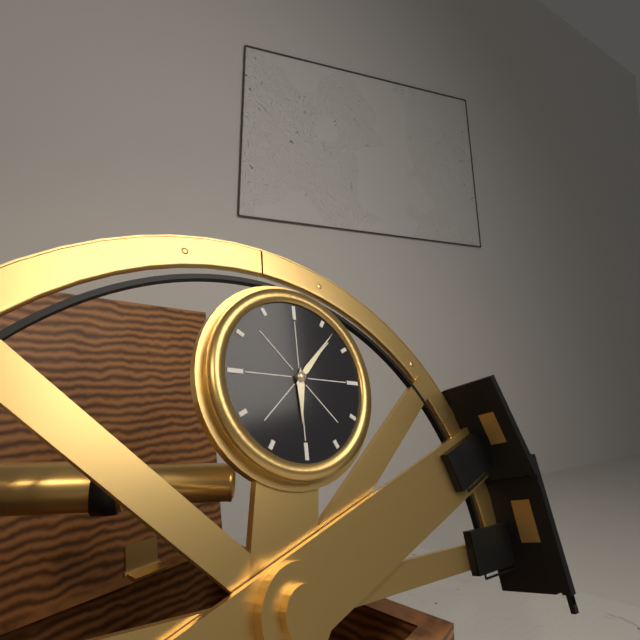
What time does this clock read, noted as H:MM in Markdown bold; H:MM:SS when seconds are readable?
**6:07**
